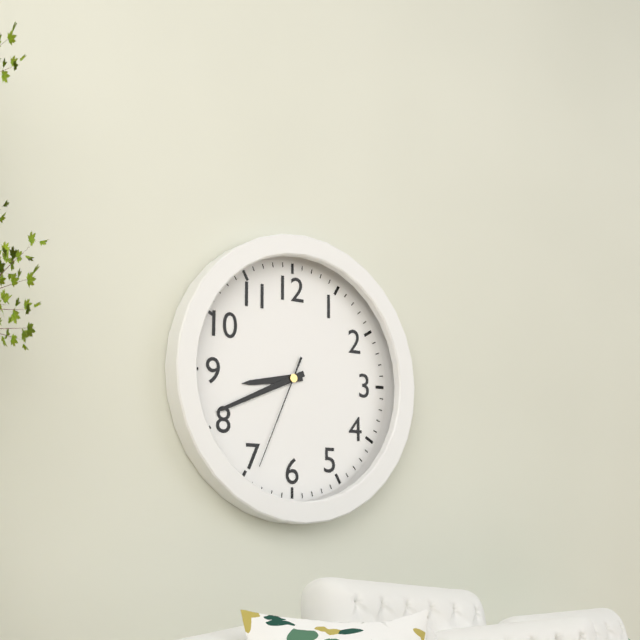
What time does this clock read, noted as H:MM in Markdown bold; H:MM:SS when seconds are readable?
**8:41:34**
